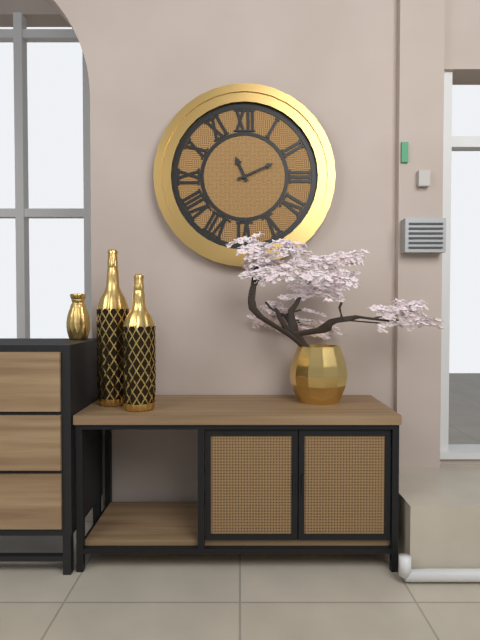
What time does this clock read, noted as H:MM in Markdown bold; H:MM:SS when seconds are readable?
**11:11**
